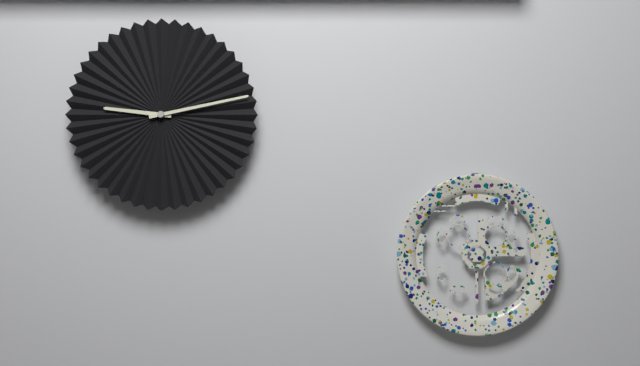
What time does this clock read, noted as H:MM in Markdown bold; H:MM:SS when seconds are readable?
**9:13**
